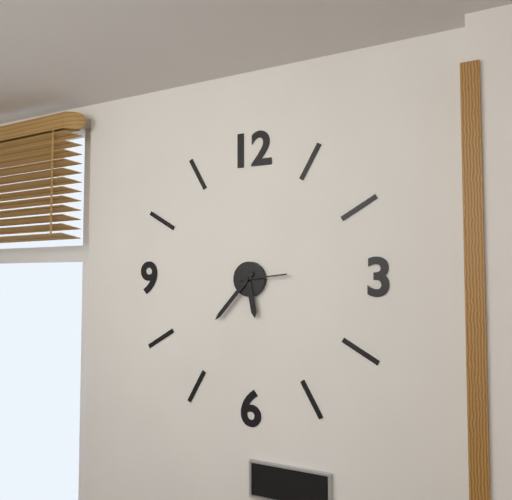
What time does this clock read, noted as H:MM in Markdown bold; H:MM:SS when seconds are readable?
**5:37**
